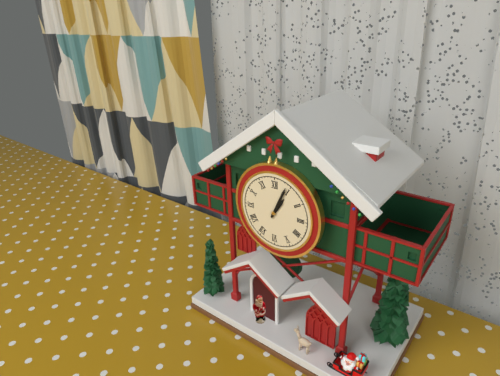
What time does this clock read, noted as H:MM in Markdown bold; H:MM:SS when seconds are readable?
**1:04**
